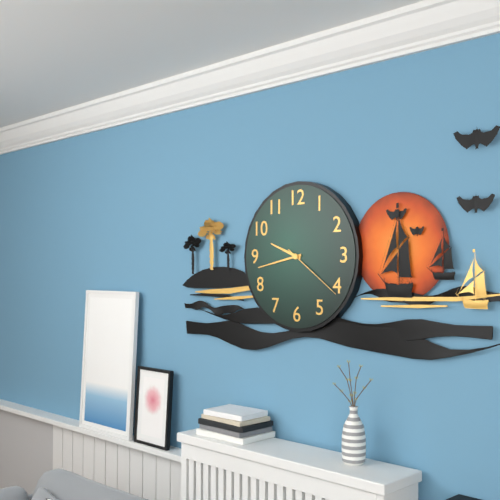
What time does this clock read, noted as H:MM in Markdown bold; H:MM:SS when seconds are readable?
**9:43:21**
